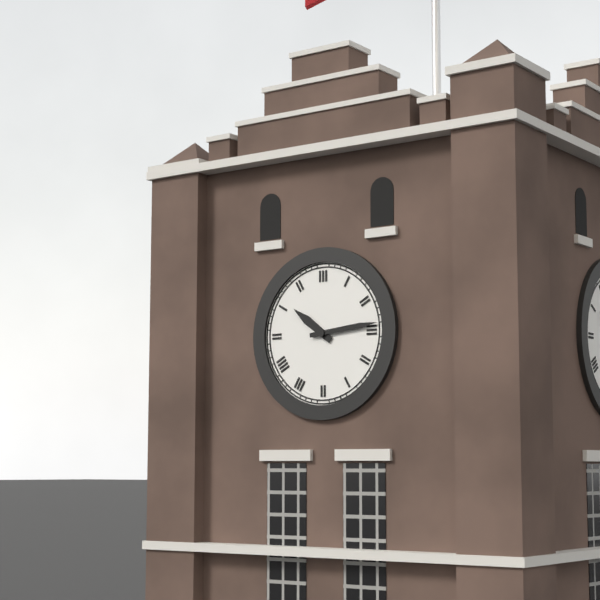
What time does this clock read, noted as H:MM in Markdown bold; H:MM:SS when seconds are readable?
**10:14**
